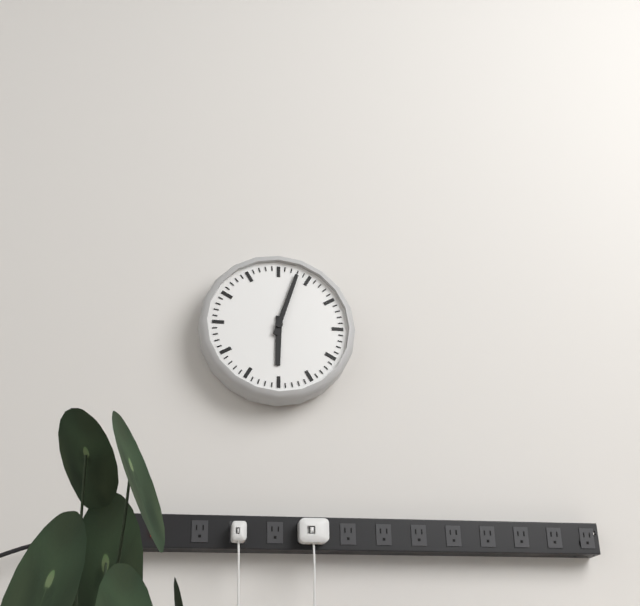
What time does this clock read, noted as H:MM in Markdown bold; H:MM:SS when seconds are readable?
**6:03**
